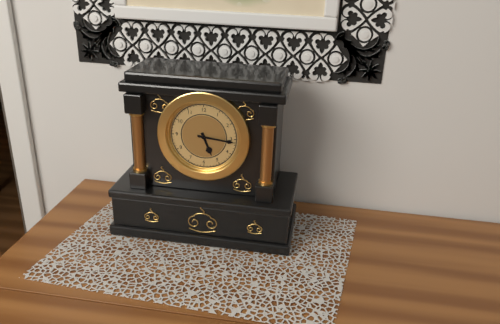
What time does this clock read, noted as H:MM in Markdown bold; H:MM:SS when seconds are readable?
**5:16**
